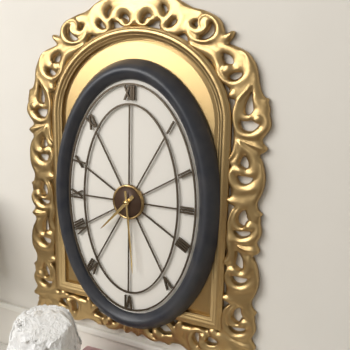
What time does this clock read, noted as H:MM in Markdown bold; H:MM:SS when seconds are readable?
**7:29**
